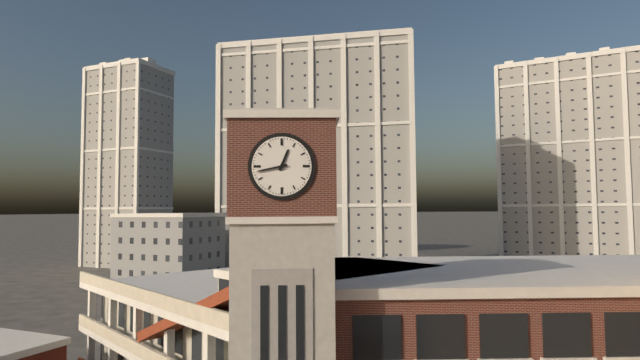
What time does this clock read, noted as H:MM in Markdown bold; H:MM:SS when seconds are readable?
**12:43**
